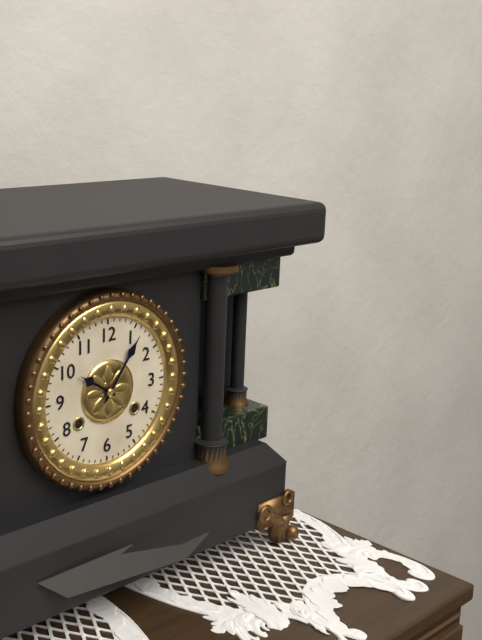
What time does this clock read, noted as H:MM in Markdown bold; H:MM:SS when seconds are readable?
**10:06**
